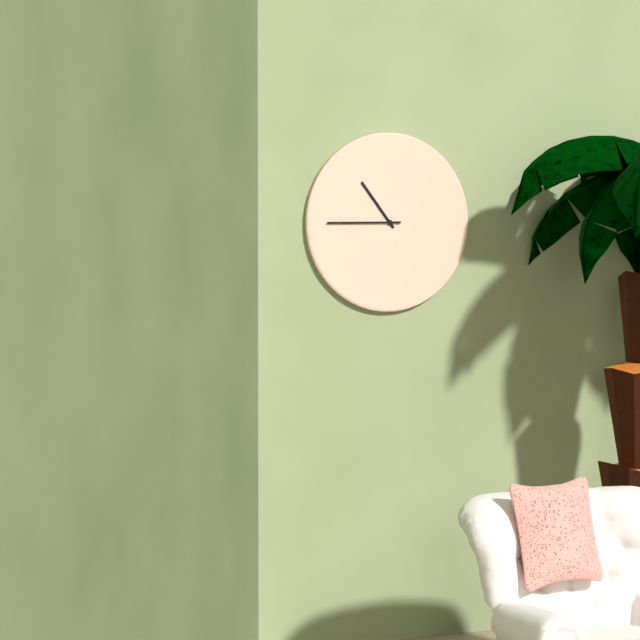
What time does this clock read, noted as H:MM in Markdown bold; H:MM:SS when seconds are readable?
**10:45**
